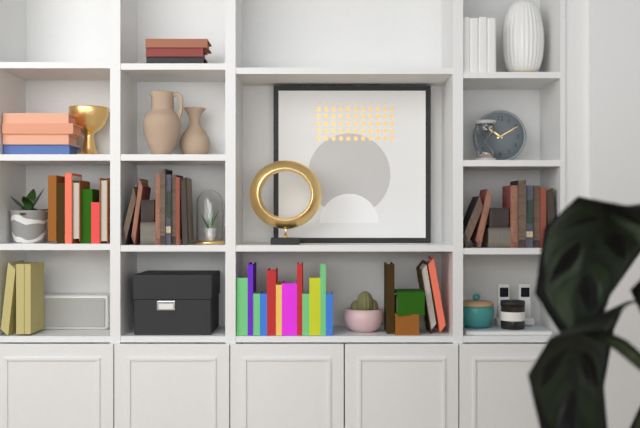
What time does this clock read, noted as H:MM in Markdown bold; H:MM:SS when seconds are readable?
**10:10**
